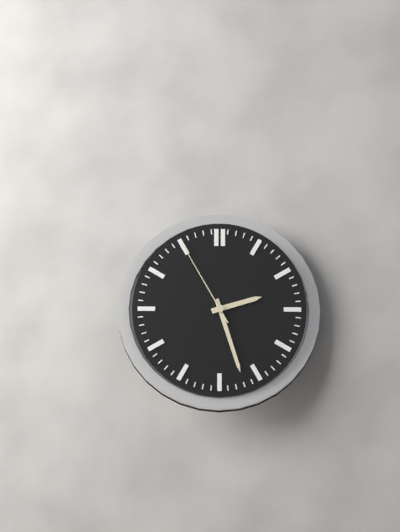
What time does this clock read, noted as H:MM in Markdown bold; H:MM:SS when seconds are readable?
**2:27:55**
